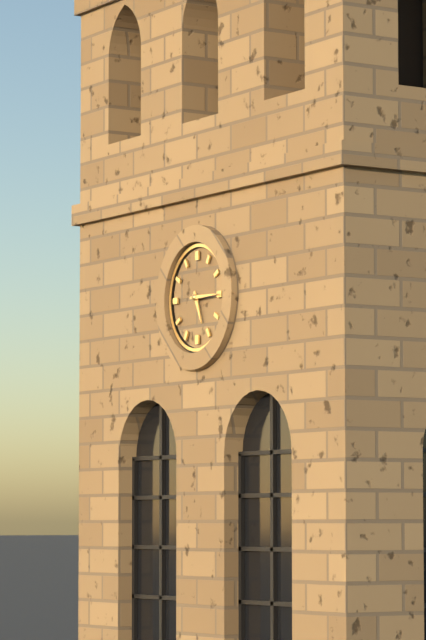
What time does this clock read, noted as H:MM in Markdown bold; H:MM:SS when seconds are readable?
**5:15**
